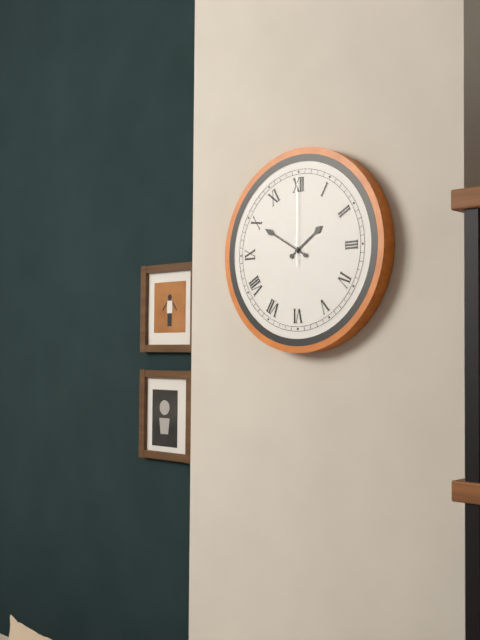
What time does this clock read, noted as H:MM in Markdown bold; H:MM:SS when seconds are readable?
**1:50:00**
